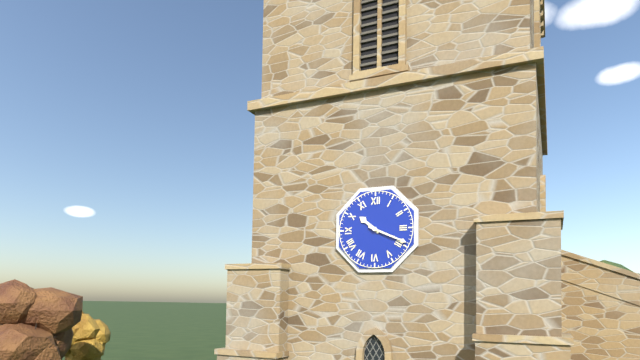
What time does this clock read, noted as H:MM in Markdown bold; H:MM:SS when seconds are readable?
**10:19**
